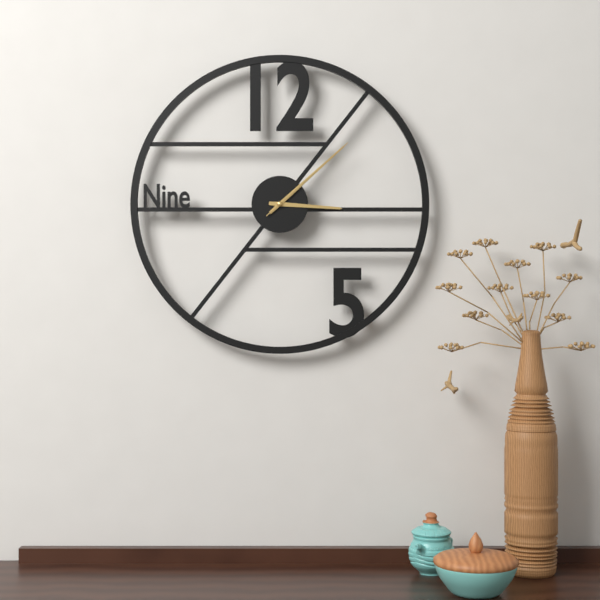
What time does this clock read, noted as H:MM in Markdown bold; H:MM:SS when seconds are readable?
**3:08:08**
